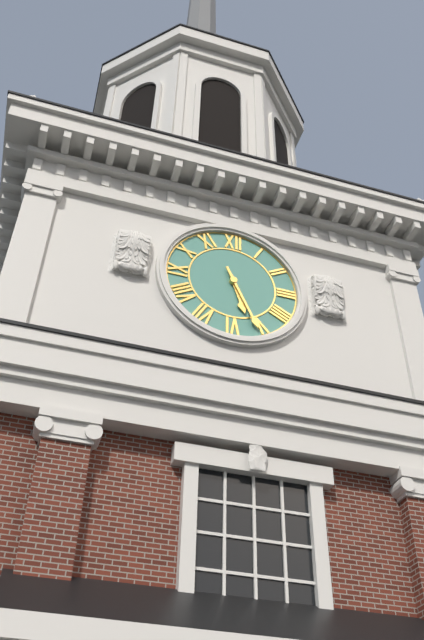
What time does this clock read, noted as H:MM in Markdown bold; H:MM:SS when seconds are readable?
**5:26**
